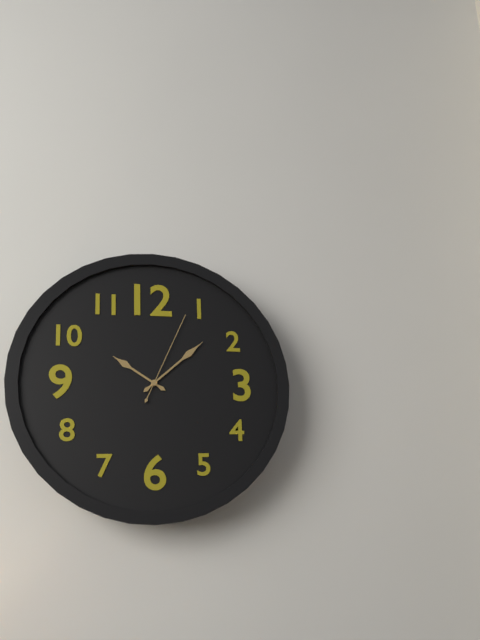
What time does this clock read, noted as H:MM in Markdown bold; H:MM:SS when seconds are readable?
**10:08:04**
